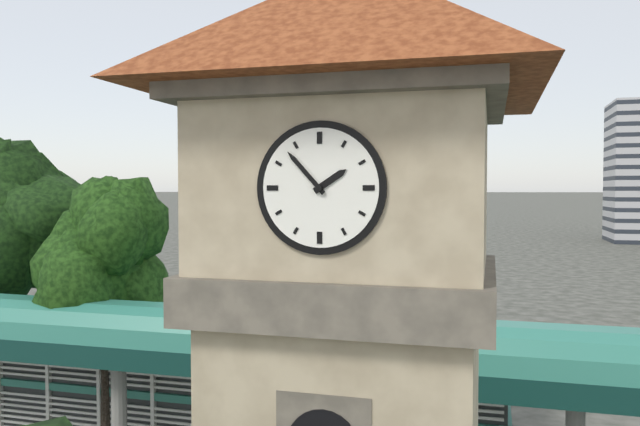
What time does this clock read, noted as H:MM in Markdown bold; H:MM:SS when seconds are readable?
**1:53**
